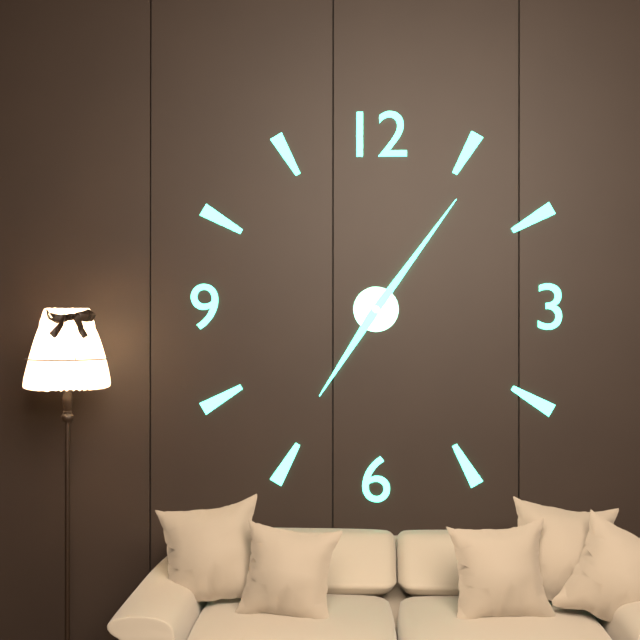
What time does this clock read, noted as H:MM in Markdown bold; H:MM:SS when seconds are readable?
**7:06**
